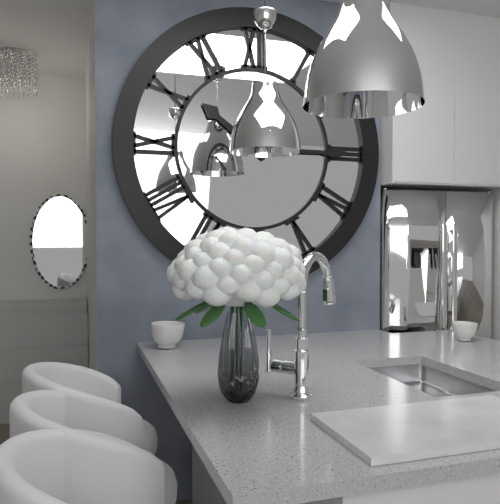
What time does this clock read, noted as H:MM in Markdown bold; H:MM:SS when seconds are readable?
**10:15**
